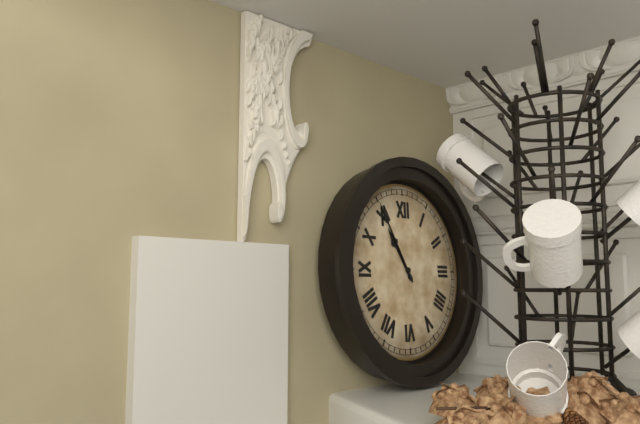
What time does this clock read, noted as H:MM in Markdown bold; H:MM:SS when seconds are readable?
**10:55**
